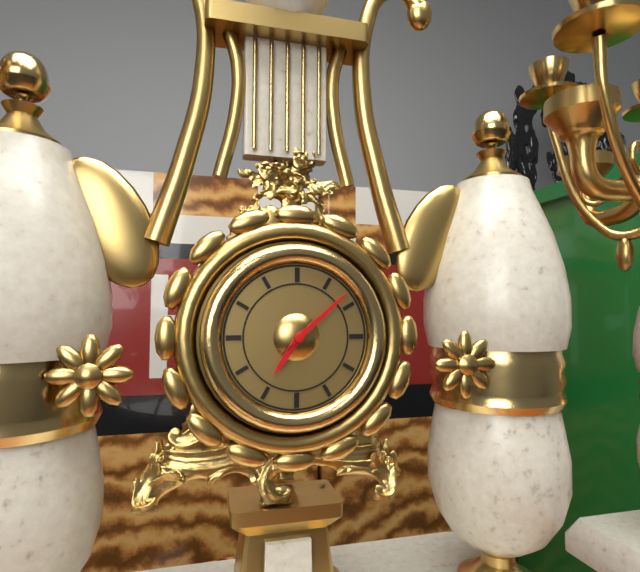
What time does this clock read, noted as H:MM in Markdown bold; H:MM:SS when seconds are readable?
**7:08**
